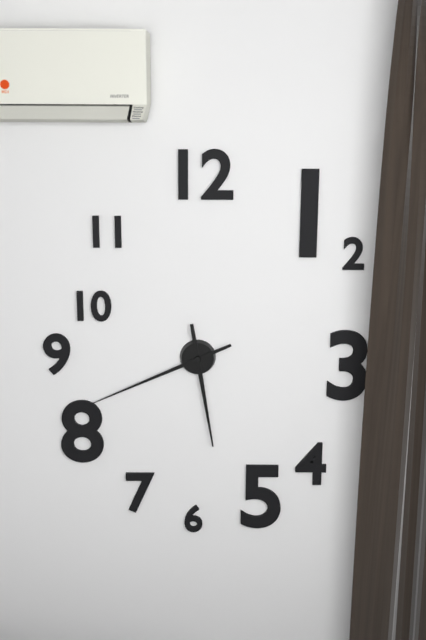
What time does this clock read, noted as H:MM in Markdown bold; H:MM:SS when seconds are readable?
**5:41**
